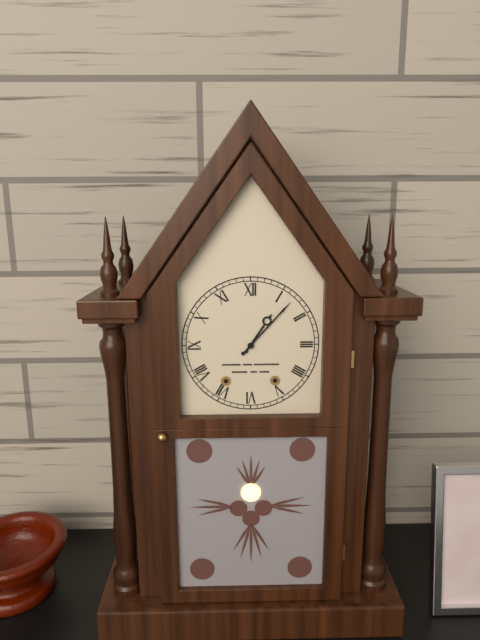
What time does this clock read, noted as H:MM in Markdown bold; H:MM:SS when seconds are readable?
**1:07**
